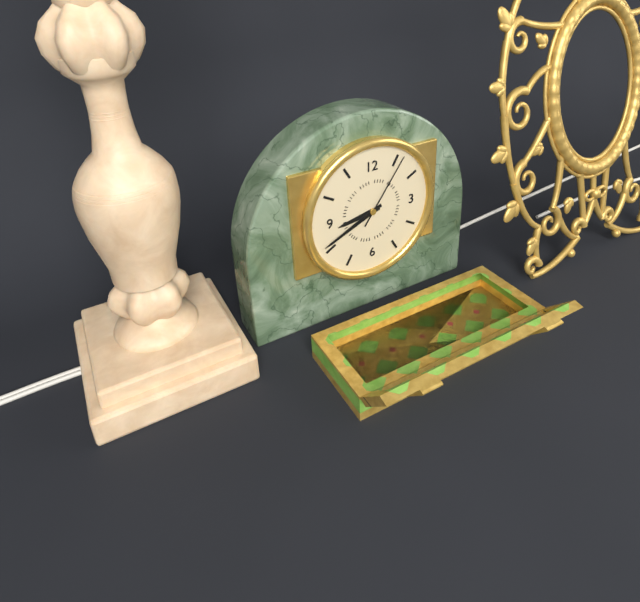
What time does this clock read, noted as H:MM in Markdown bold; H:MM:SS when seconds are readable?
**8:41:06**
